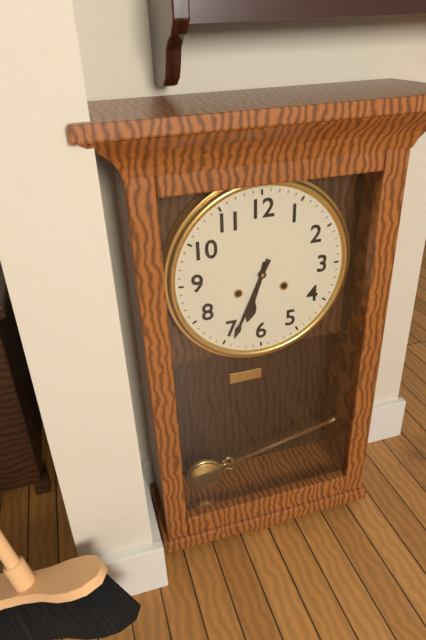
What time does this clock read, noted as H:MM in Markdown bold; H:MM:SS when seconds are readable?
**6:34**
